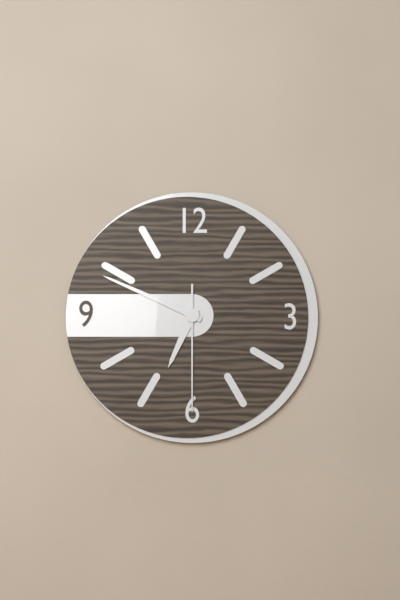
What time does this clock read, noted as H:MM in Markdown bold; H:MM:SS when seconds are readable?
**6:49:30**
